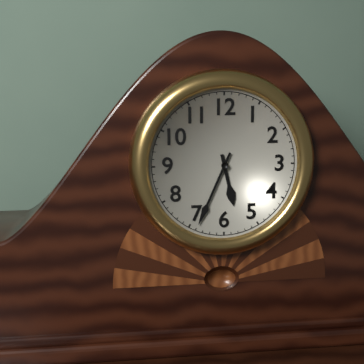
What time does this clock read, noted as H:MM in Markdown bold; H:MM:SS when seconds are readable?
**5:34**
